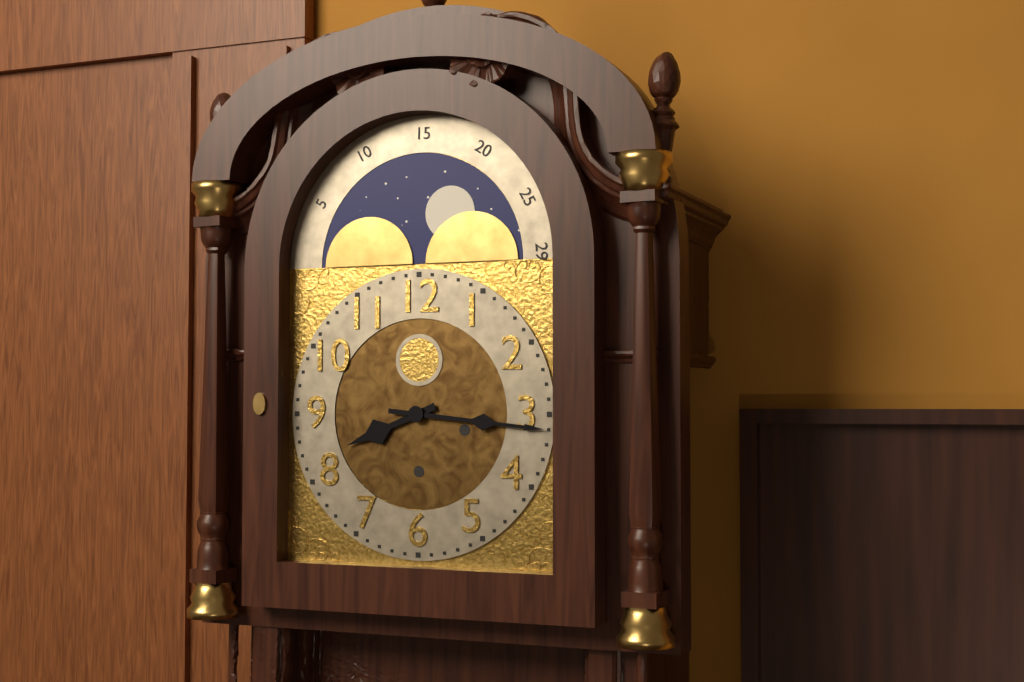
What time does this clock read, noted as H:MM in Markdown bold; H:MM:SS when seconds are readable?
**8:16**
